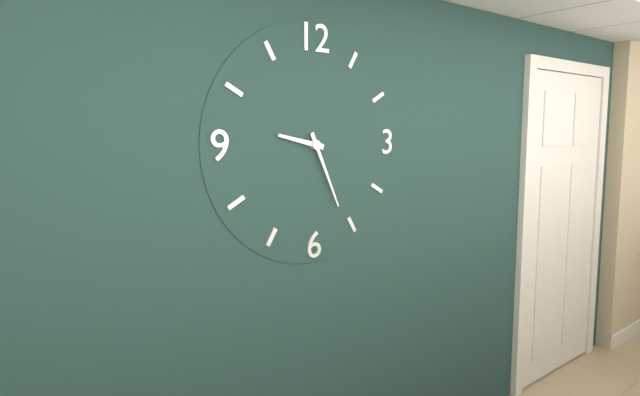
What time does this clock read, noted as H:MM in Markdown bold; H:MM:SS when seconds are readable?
**9:26**
